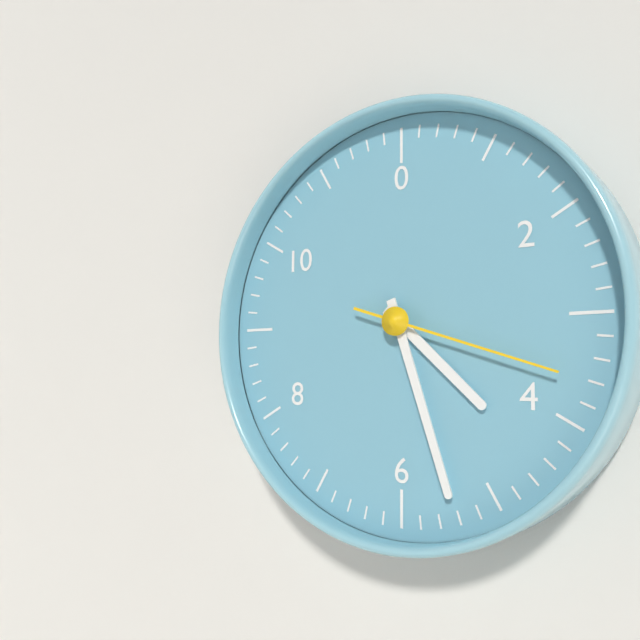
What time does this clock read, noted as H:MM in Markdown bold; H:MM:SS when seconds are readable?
**4:27:18**
